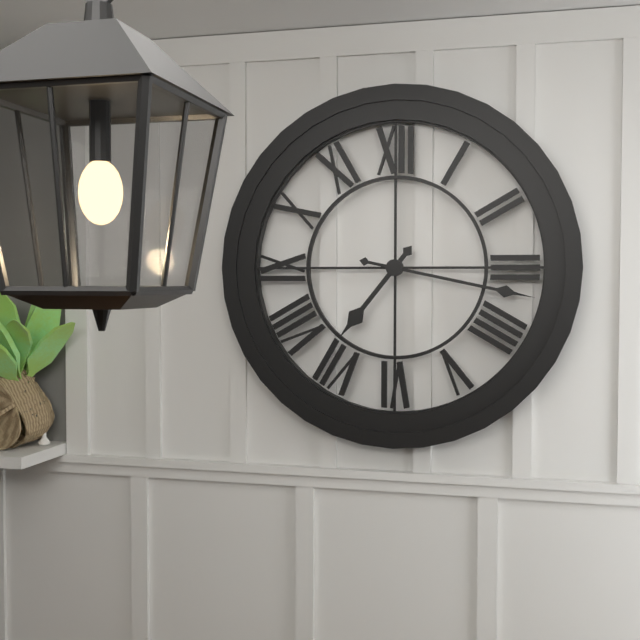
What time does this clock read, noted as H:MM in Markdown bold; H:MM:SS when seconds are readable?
**7:17**
